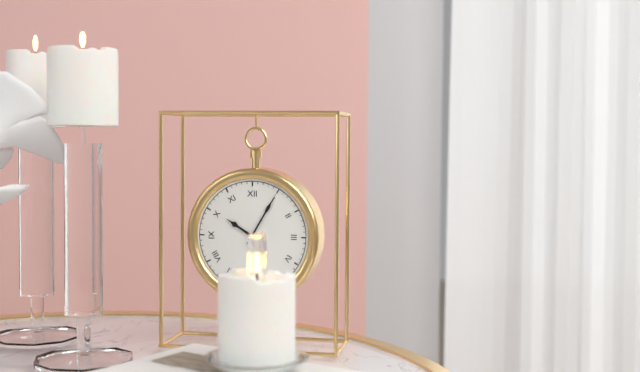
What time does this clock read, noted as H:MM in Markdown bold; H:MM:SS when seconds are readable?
**10:05**
